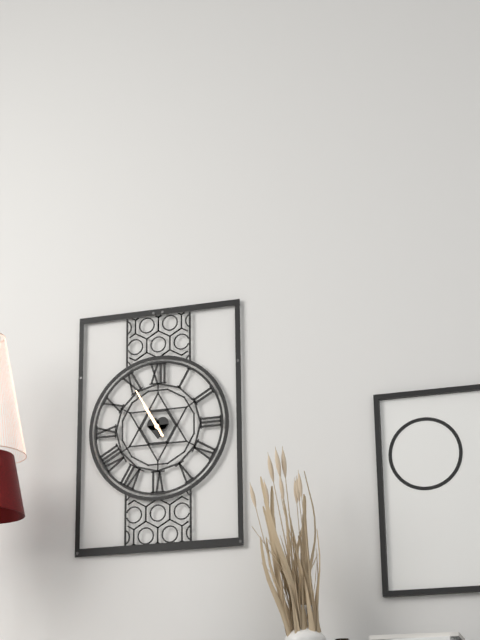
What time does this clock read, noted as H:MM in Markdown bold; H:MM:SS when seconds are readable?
**10:55**
